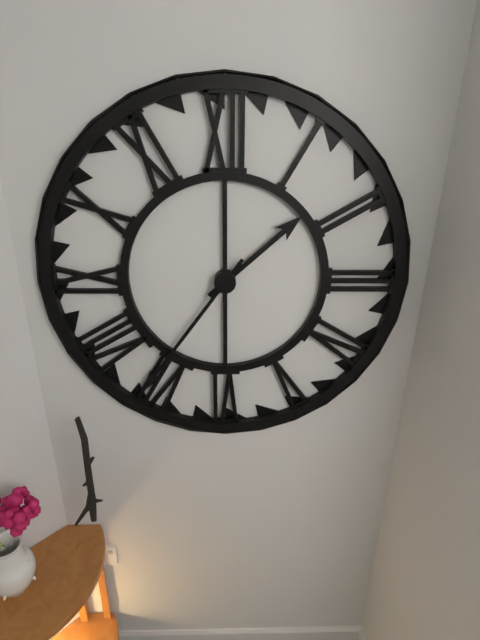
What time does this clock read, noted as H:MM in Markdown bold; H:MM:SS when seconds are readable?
**1:36**
